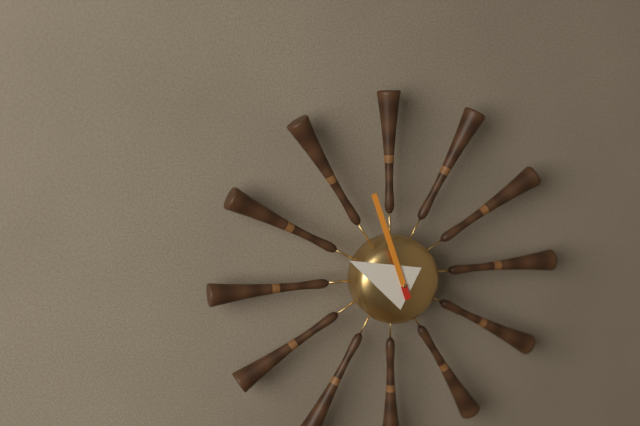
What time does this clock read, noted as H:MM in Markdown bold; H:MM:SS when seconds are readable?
**9:57**
